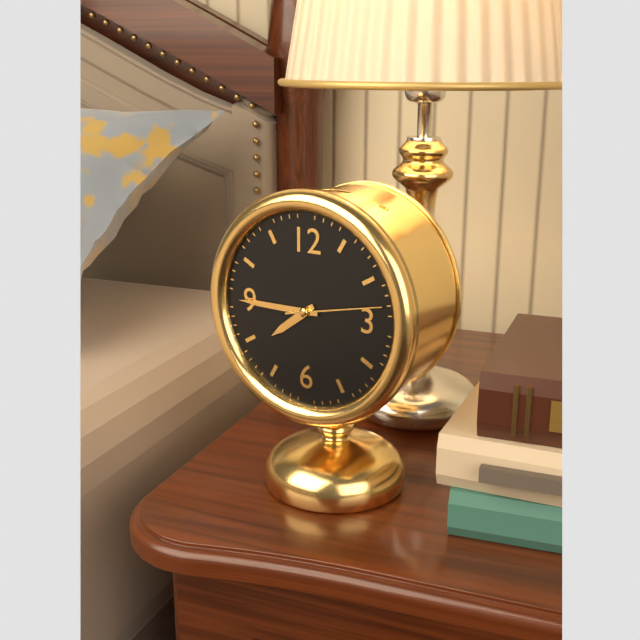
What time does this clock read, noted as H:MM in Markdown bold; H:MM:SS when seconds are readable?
**7:45:13**
